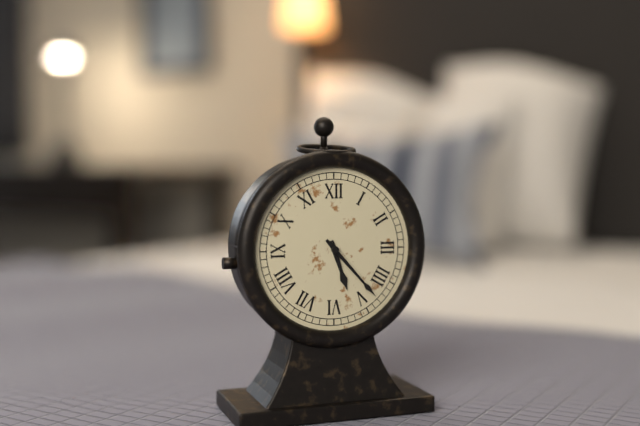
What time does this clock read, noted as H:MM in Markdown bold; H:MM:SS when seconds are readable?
**5:23**
